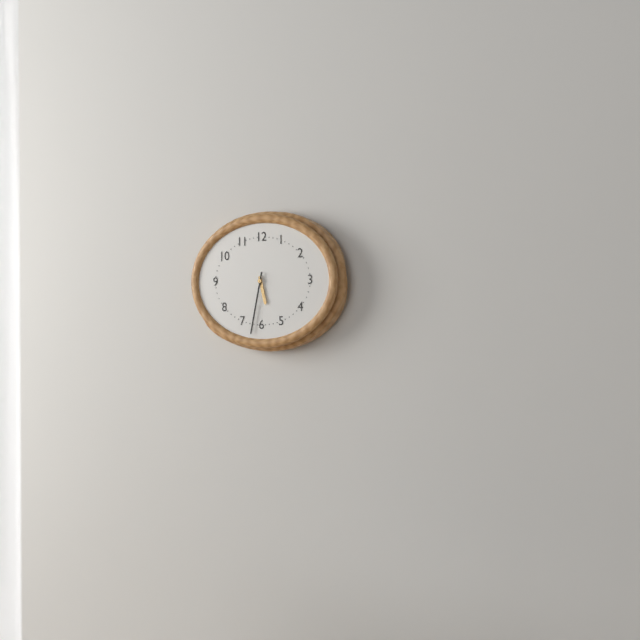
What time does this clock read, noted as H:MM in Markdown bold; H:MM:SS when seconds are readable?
**5:32**
